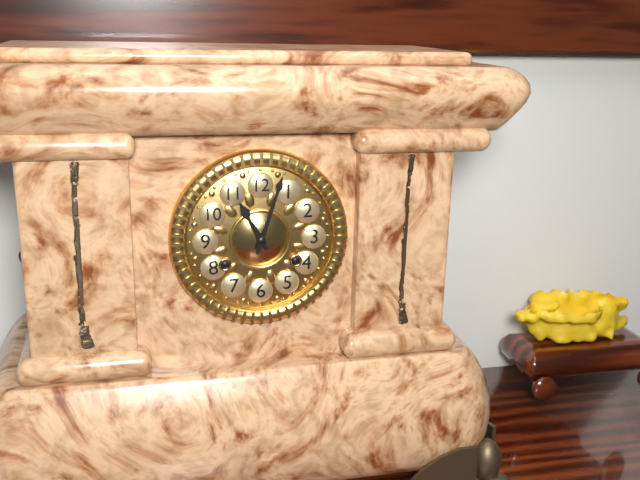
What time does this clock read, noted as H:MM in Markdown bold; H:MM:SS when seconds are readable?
**11:03**
